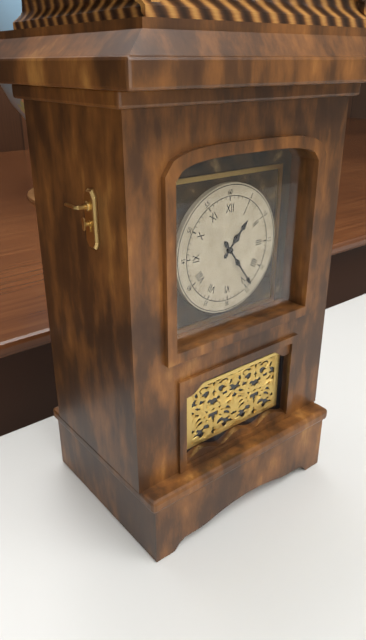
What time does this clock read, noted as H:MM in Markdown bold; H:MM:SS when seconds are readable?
**1:24**
